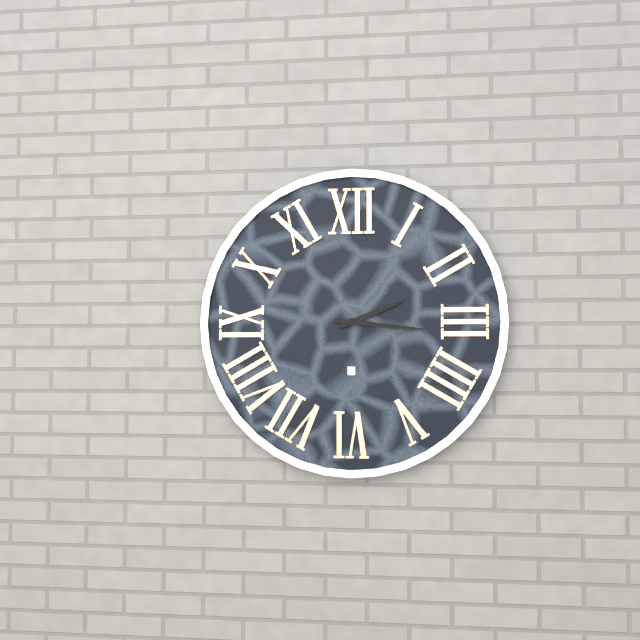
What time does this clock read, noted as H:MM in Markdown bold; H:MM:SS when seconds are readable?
**2:16**
